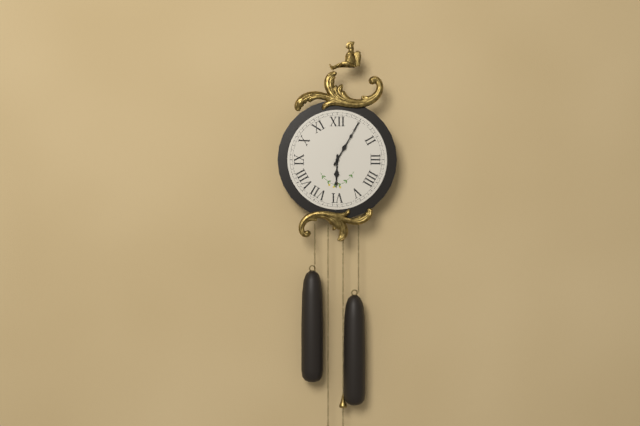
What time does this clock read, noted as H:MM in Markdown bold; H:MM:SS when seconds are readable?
**6:05**
